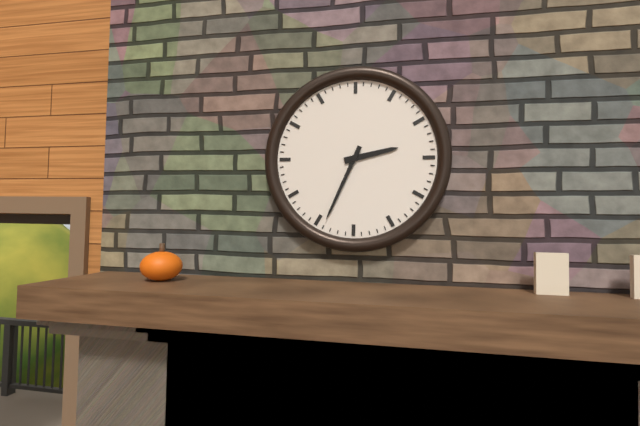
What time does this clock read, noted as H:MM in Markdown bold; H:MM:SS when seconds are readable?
**2:34**
